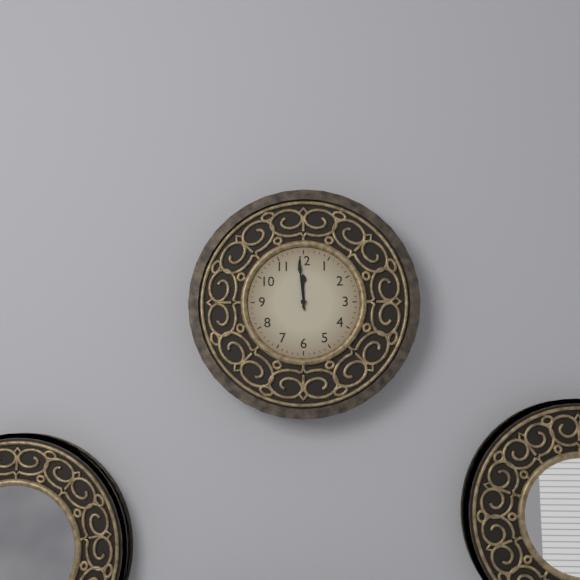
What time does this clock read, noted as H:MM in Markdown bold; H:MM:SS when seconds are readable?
**11:59**
